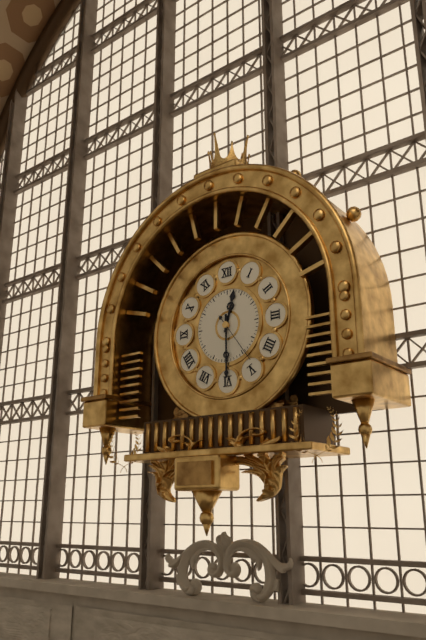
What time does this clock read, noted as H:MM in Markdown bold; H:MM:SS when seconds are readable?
**12:30:24**
